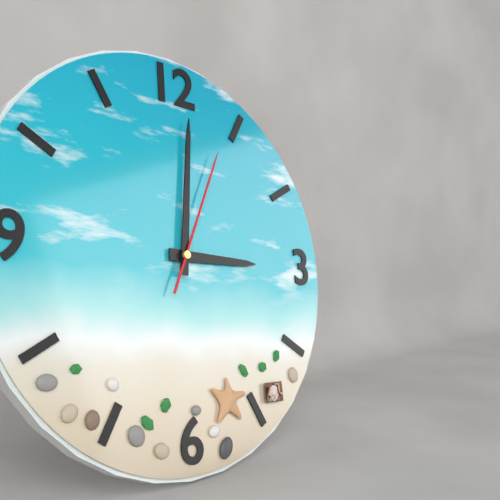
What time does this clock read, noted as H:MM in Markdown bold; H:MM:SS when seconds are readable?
**3:01:04**
